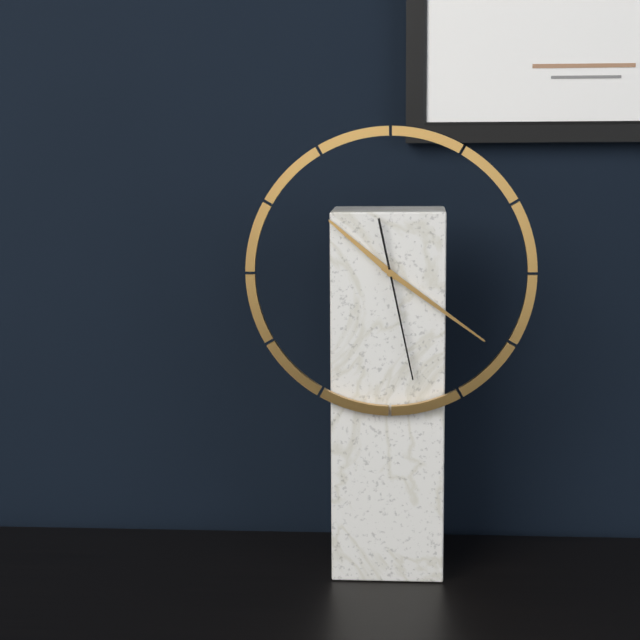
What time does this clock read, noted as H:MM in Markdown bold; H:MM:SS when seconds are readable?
**10:21:28**
